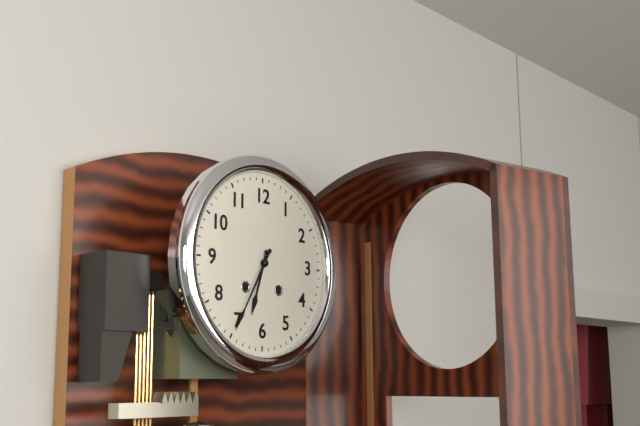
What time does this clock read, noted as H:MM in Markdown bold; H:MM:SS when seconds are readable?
**6:35**
